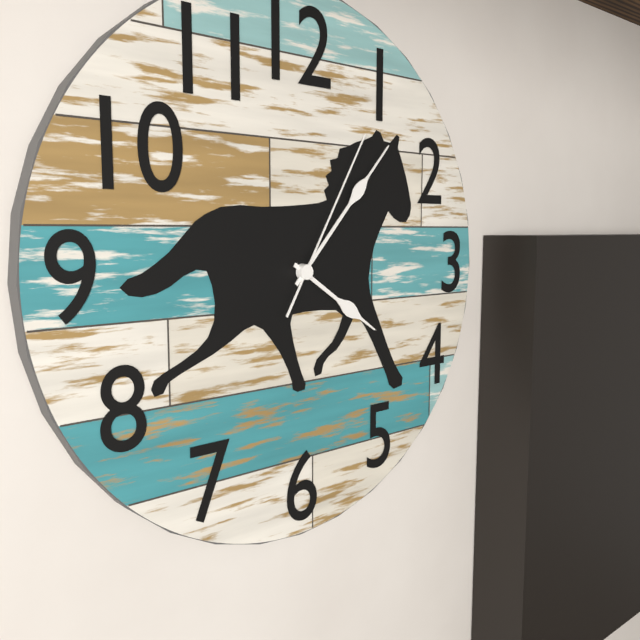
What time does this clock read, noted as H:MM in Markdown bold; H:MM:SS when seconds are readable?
**4:07:05**
